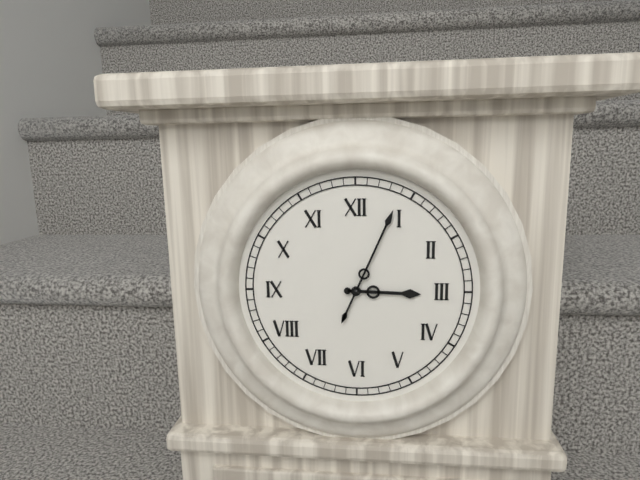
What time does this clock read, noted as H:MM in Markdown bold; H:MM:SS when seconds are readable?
**3:04**
